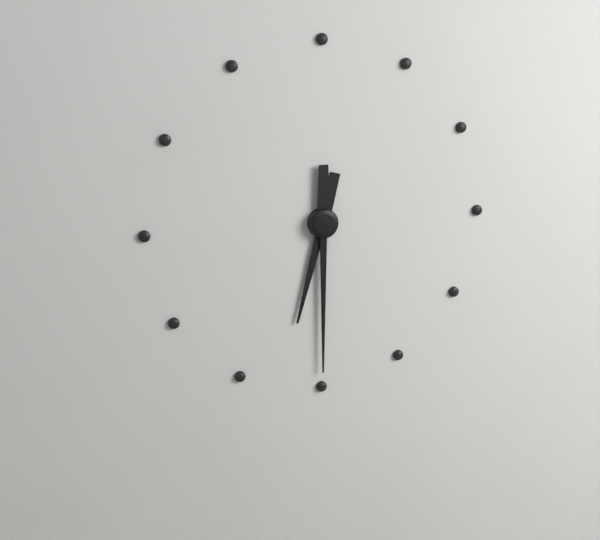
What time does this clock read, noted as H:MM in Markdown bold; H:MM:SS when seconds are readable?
**6:30**
